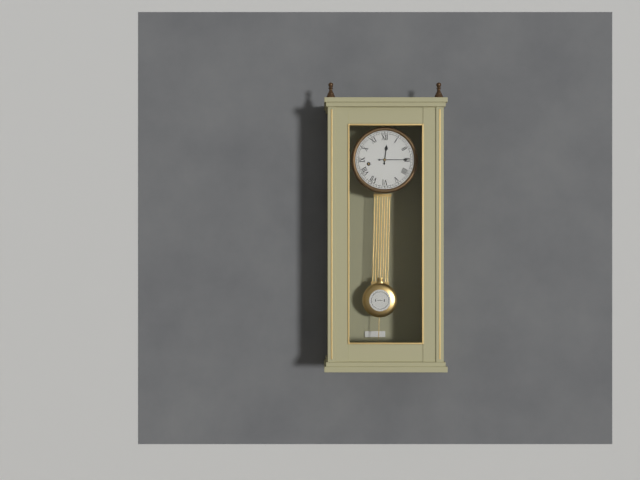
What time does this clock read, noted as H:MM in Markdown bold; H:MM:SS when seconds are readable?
**12:15**
